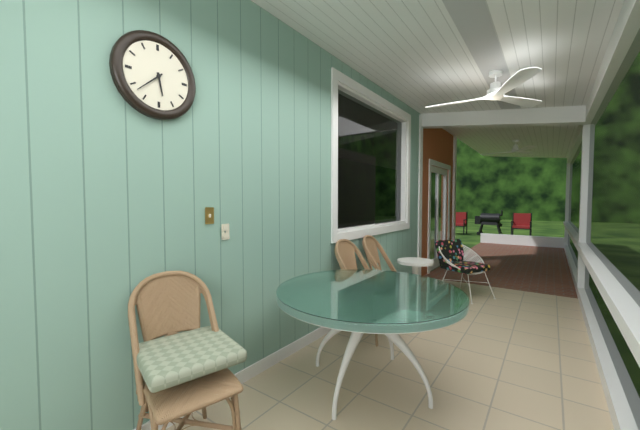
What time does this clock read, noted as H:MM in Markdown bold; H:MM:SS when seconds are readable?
**5:38**
